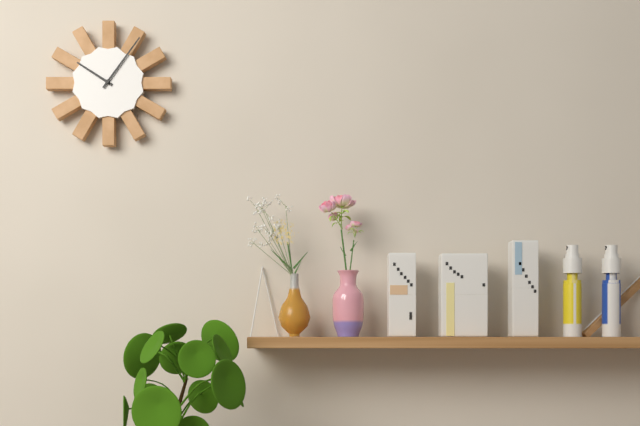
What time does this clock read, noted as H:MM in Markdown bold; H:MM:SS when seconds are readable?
**10:06**
